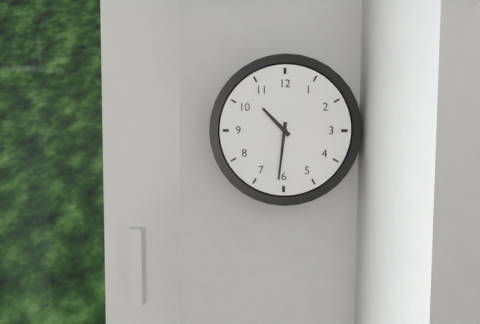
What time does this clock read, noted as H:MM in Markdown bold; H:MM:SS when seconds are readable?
**10:31**
